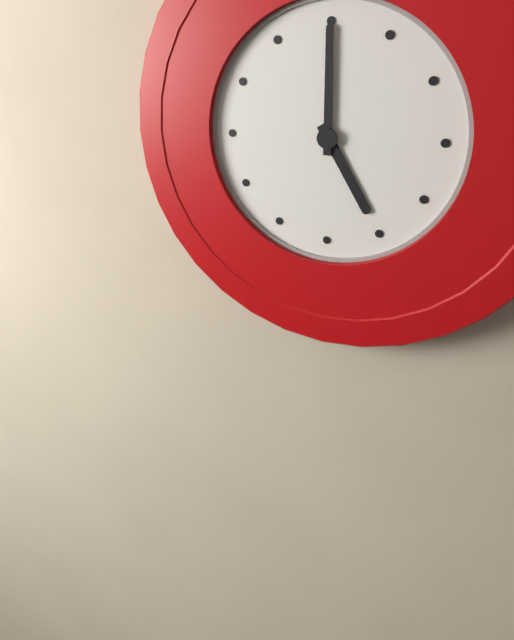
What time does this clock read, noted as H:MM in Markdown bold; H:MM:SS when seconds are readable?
**5:00**
